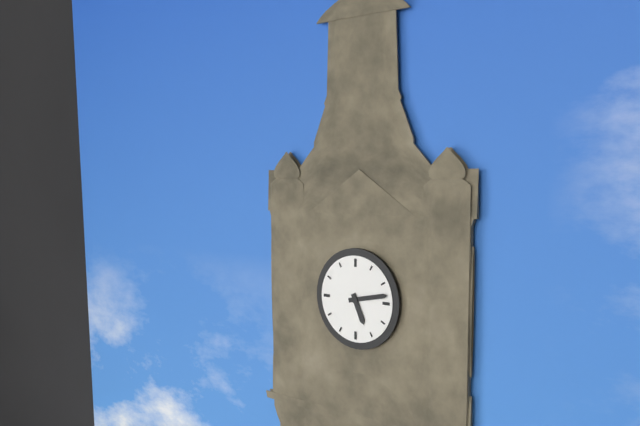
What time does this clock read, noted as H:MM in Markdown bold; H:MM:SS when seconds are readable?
**5:13**
